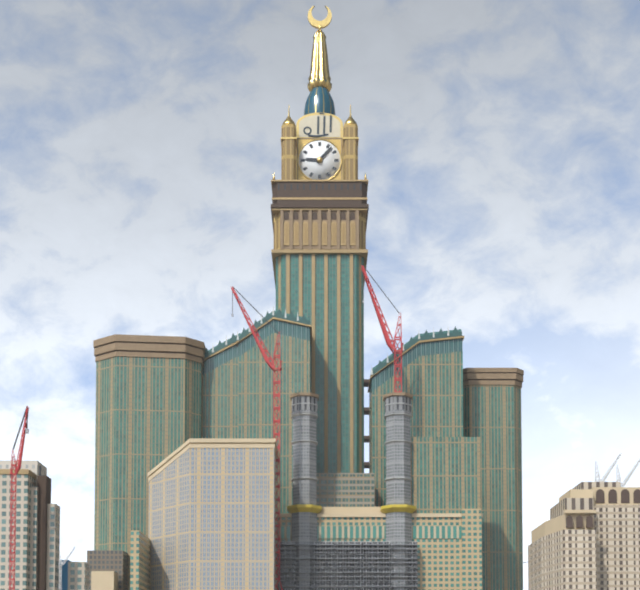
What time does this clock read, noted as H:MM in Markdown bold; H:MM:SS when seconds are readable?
**9:07**
